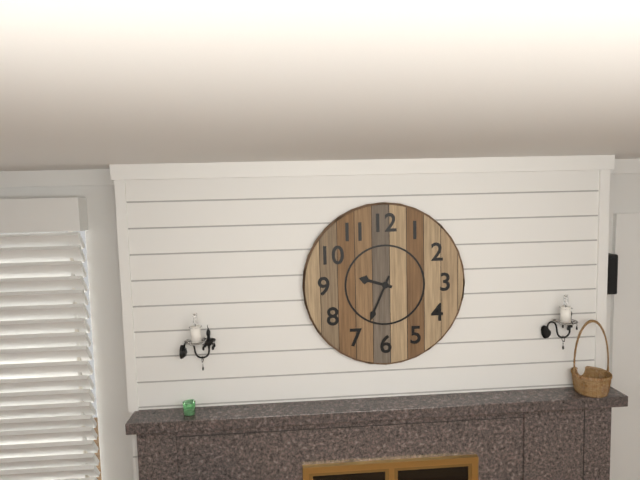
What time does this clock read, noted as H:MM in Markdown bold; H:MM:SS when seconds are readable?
**9:34**
